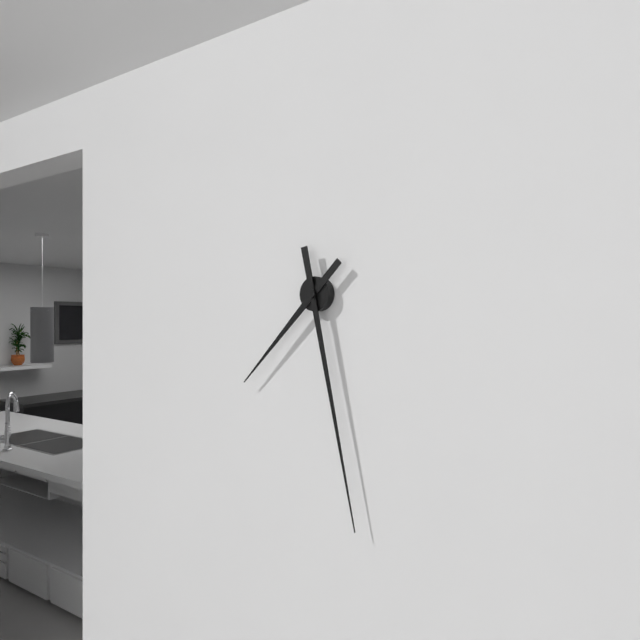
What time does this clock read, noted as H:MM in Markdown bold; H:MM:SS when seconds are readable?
**7:28**
